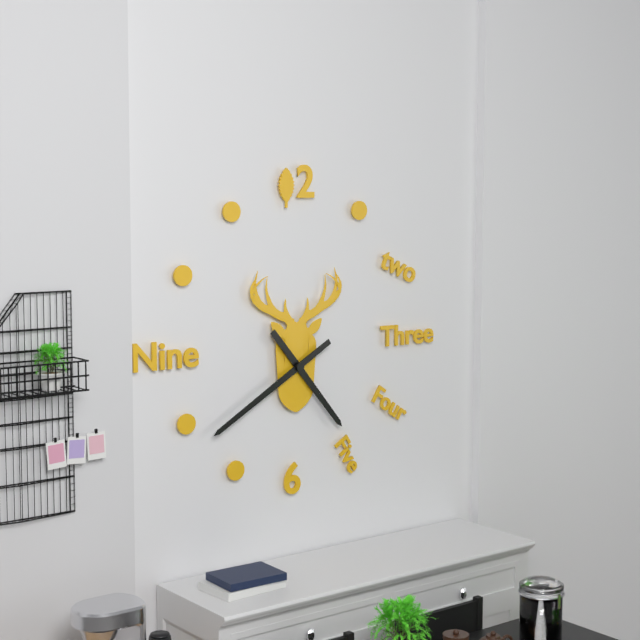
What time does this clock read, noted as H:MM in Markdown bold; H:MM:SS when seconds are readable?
**4:40**
